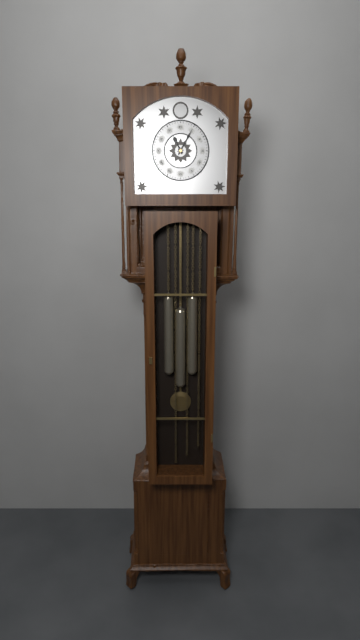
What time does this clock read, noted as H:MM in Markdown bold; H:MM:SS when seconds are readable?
**11:05**
